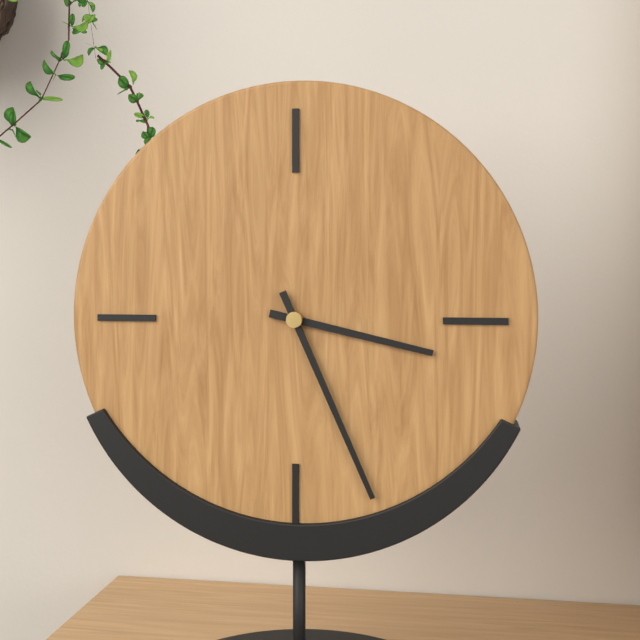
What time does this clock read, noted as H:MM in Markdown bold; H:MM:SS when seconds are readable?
**3:26**
